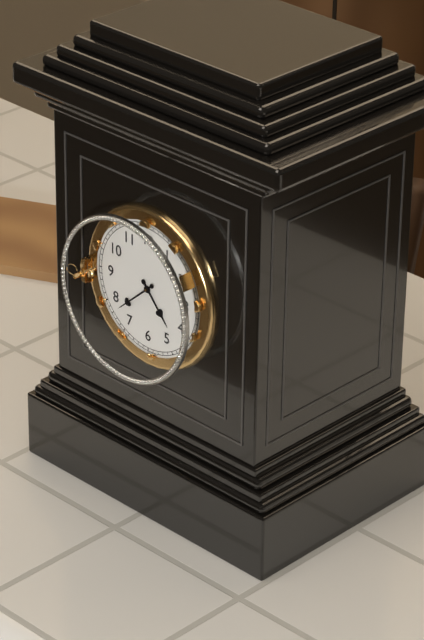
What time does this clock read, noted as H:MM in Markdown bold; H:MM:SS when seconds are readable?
**4:38**
